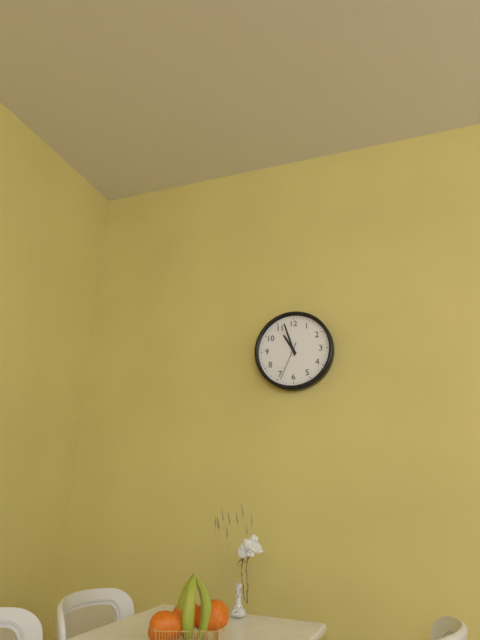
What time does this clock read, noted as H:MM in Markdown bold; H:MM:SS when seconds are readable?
**10:57**
